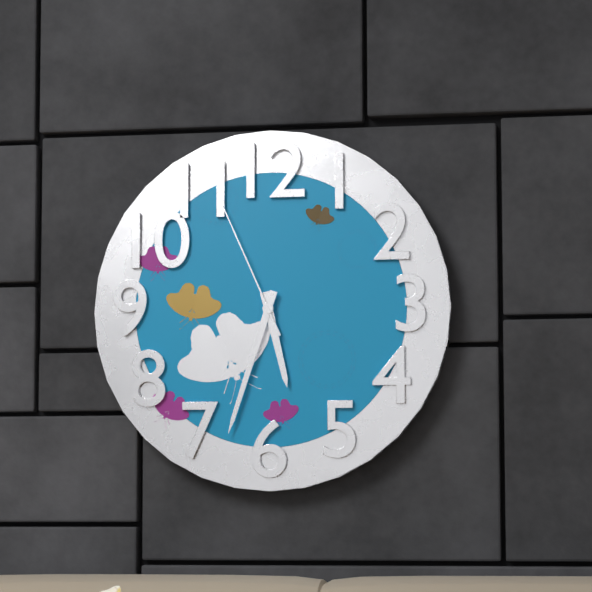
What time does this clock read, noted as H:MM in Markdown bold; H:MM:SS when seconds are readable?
**5:33:56**
